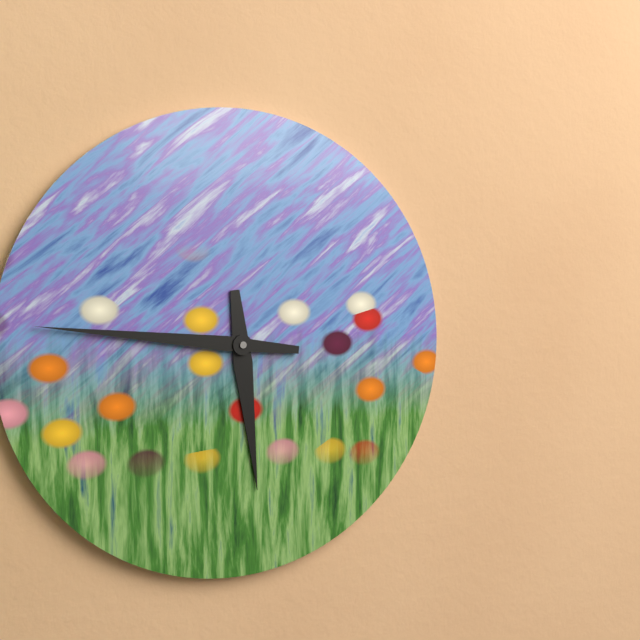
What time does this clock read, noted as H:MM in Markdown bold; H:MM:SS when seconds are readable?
**5:46**
